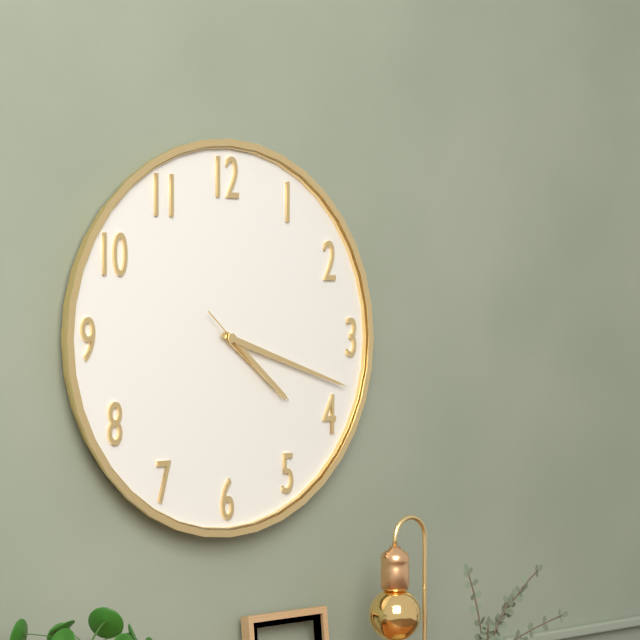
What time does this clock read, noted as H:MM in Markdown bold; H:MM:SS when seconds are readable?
**4:18:22**
